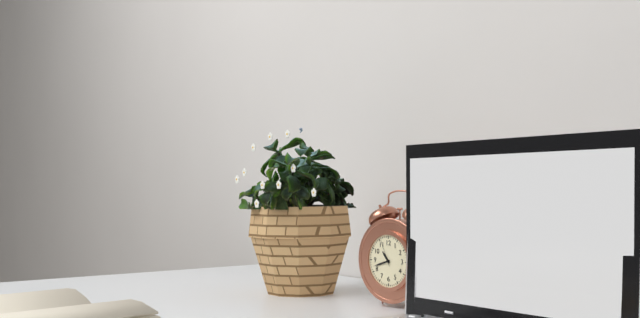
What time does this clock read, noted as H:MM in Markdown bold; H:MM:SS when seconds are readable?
**10:42**
